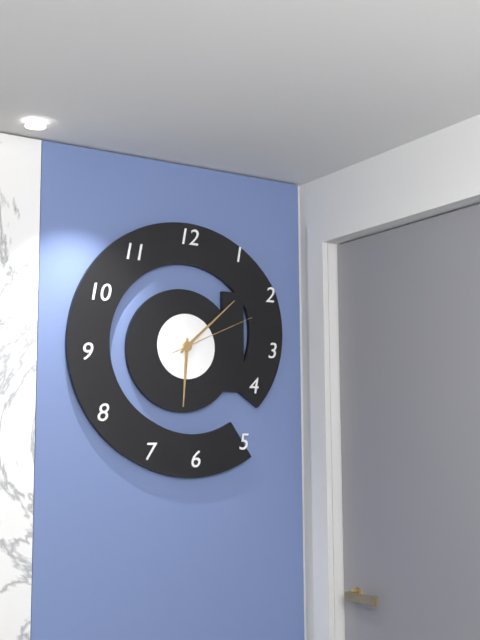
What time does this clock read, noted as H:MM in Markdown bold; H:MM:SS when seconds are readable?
**6:08:11**
